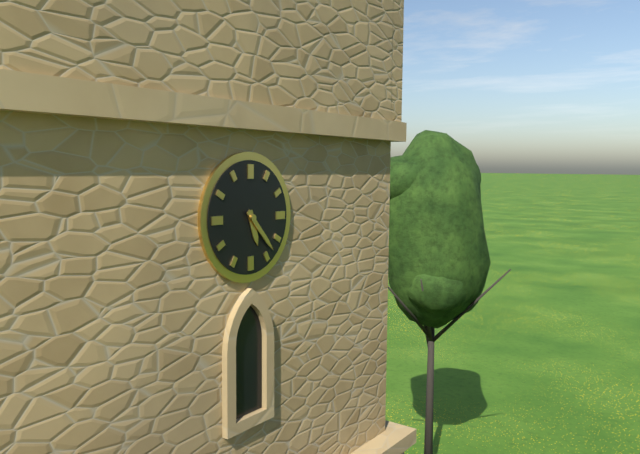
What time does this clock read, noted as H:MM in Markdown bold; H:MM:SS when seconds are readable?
**5:23**
